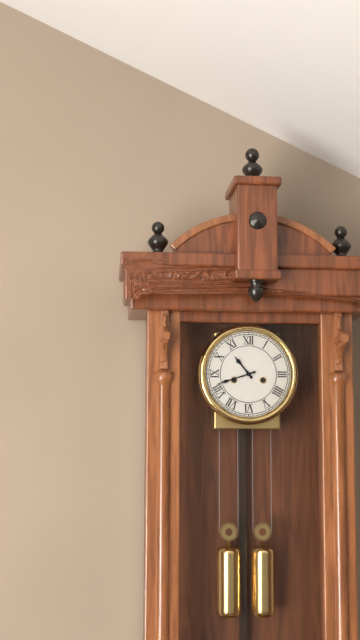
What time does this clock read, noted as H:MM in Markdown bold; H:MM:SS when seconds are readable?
**10:42**
